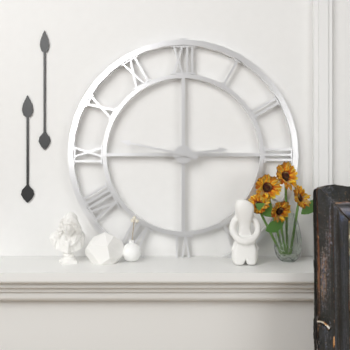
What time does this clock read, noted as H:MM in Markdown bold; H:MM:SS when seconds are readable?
**2:47**
